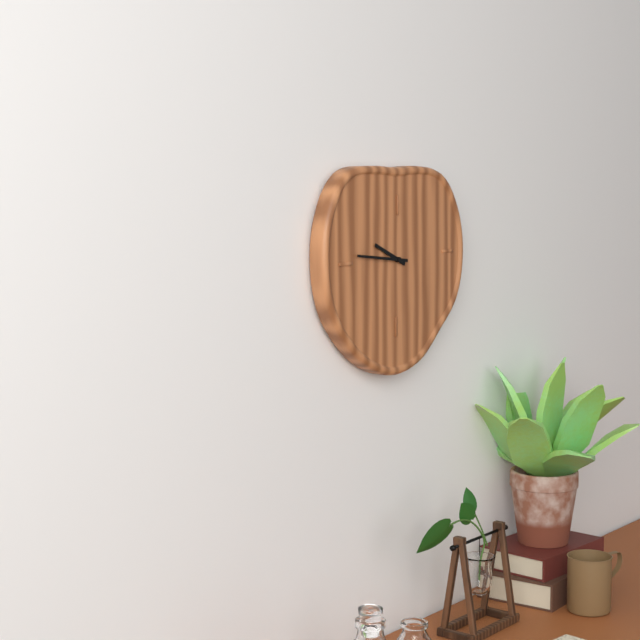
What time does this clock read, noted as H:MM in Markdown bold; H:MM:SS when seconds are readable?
**9:46**
